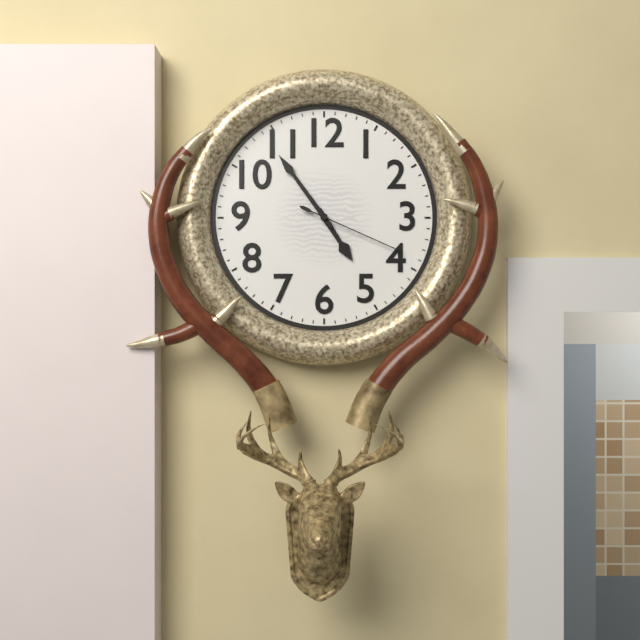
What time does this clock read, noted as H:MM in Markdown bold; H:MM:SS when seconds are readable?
**4:54:19**
